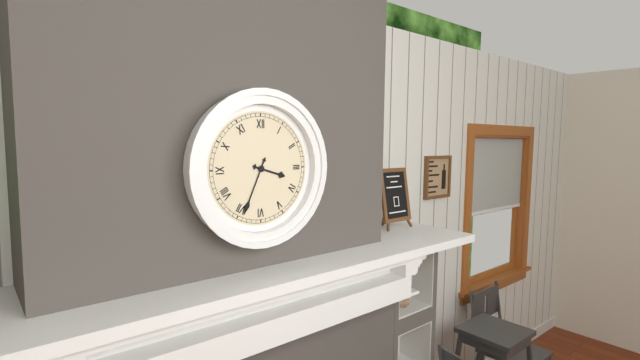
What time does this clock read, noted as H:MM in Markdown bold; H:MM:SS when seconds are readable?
**3:34**
